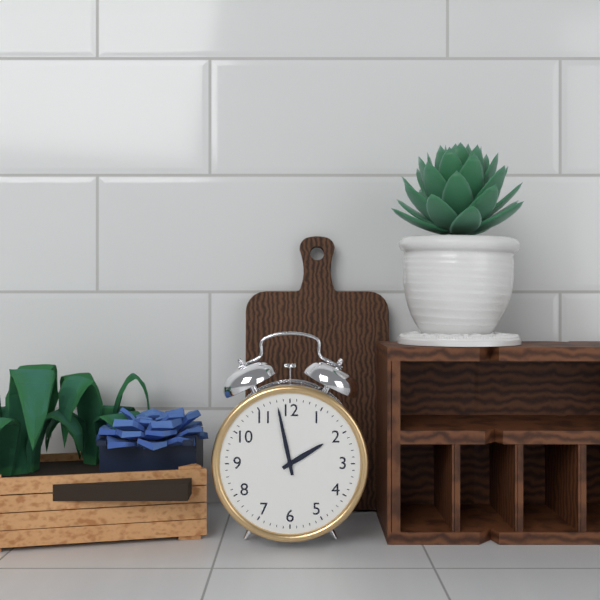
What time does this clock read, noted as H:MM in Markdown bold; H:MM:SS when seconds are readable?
**1:58**
